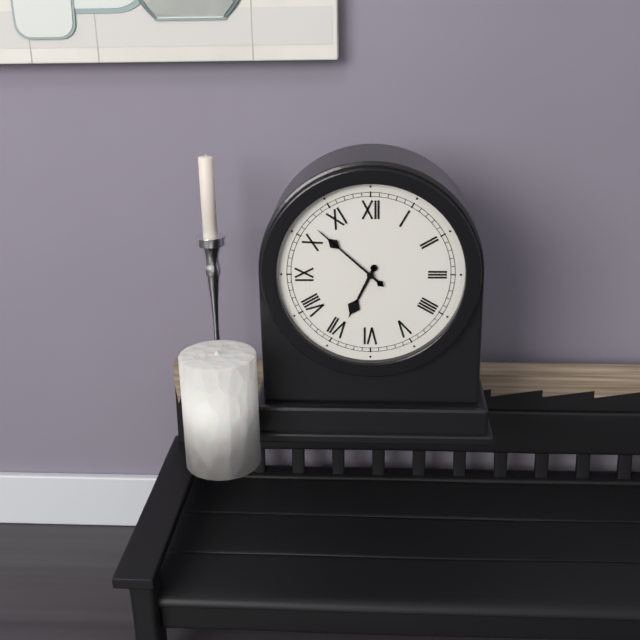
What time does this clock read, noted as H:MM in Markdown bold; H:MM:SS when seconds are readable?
**6:52**
